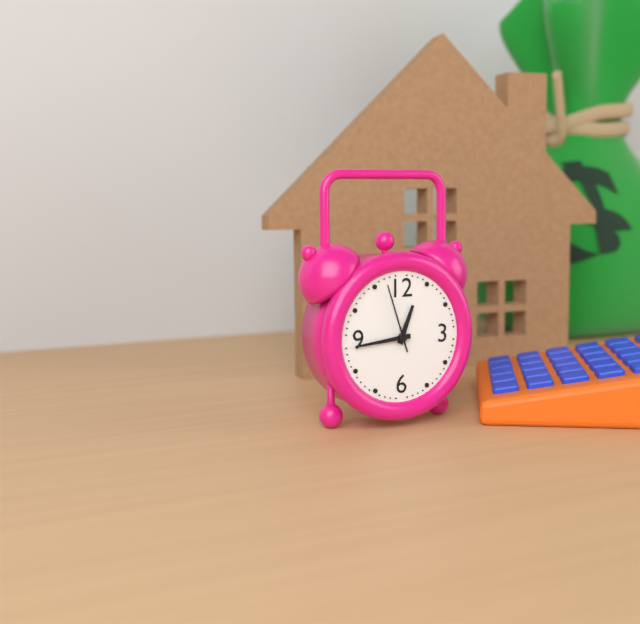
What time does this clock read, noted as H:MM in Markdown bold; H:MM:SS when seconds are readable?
**12:44:57**
